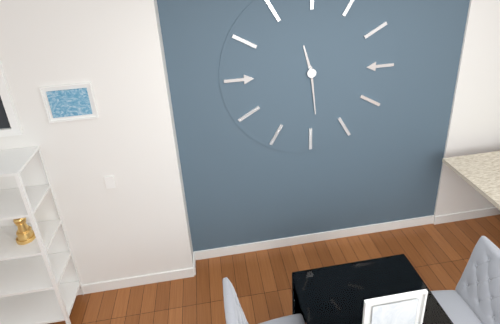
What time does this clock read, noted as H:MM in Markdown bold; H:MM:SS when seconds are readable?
**11:29**
